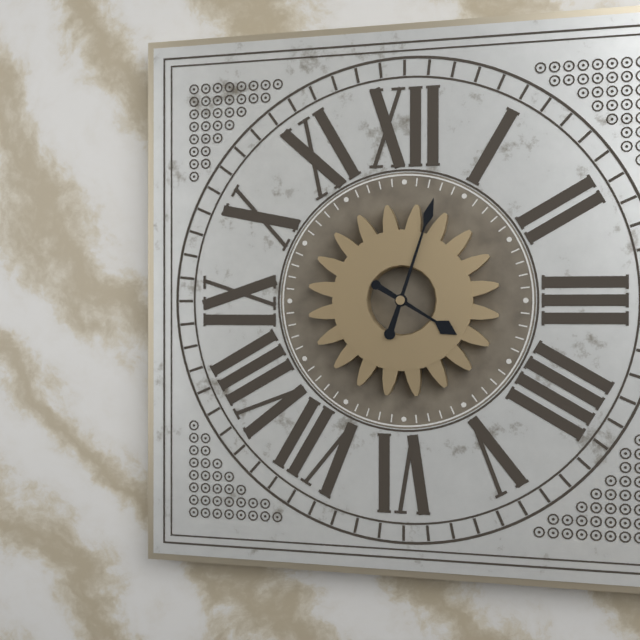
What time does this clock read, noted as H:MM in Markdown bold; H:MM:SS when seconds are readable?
**4:03**
